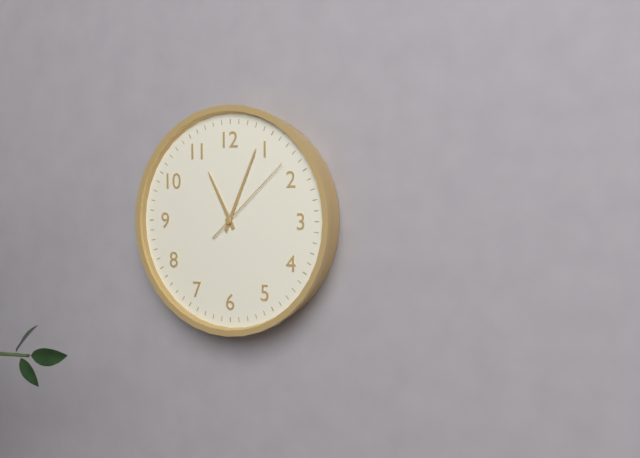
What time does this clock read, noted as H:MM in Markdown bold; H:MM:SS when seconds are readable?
**11:04:08**
